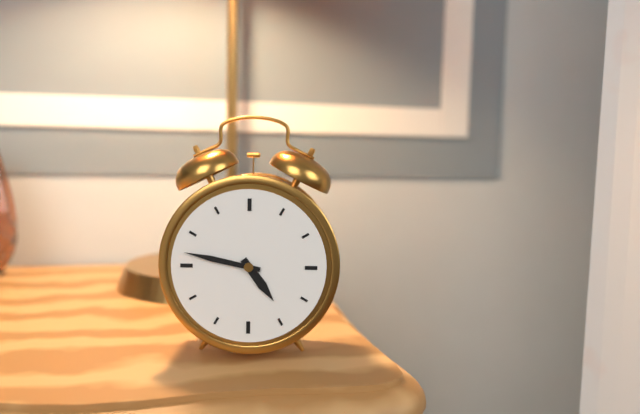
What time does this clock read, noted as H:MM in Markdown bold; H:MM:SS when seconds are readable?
**4:47**
